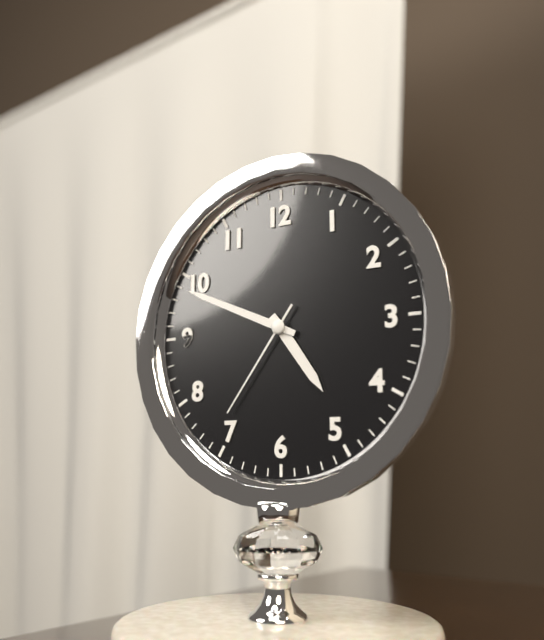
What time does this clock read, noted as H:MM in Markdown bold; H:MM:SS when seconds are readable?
**4:49:36**
